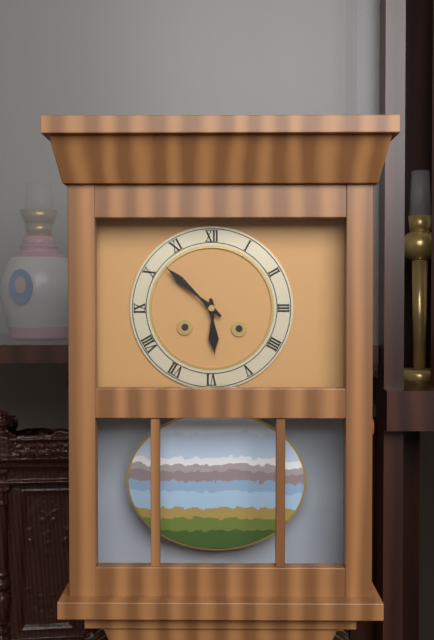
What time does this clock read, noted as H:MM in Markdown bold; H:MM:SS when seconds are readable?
**5:52**
